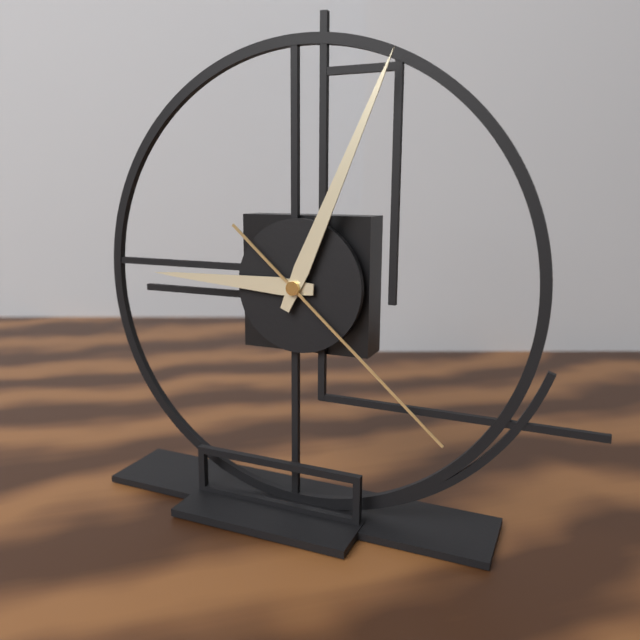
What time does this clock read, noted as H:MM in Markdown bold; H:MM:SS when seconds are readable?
**9:04:22**
